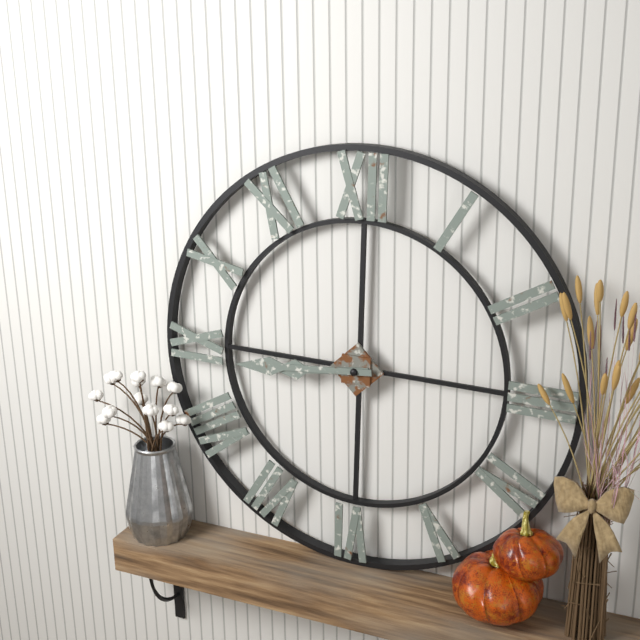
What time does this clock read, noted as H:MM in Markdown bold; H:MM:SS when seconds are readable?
**8:44**
